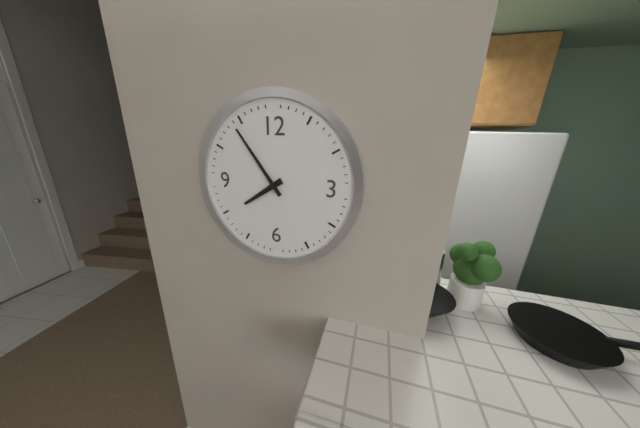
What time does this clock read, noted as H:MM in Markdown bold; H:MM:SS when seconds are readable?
**7:54**
